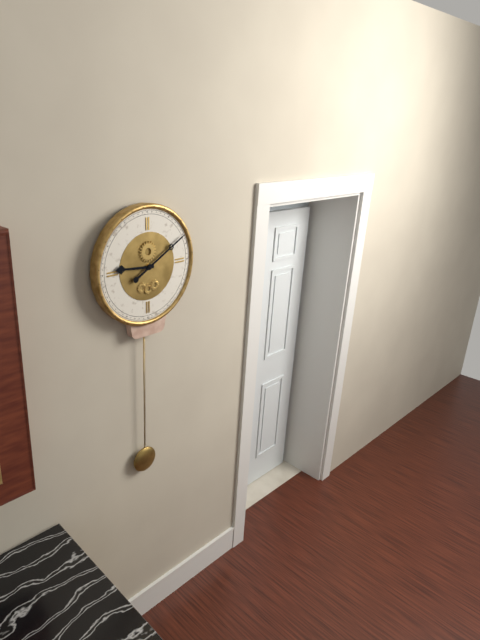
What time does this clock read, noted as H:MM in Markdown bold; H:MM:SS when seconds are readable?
**9:10**
